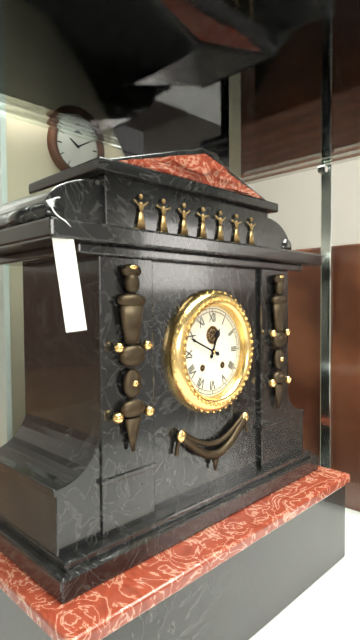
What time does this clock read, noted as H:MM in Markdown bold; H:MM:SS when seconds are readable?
**12:49**
